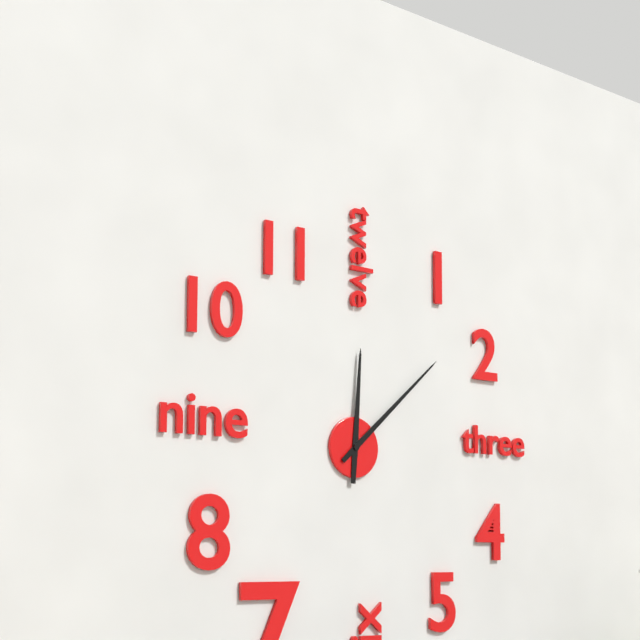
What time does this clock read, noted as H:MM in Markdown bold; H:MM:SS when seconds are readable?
**12:08**
